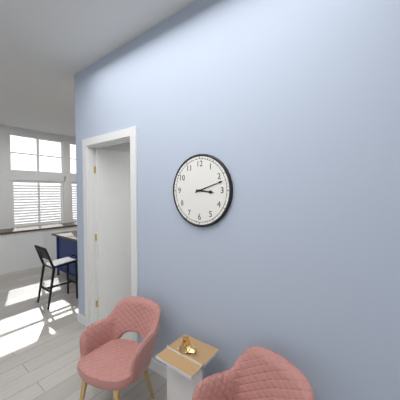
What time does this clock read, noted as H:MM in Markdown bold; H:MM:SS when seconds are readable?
**3:12**
